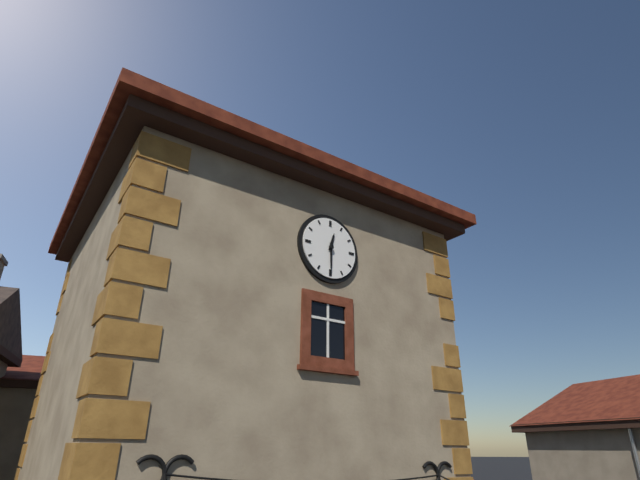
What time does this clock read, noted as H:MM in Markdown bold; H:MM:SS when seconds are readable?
**12:30**
